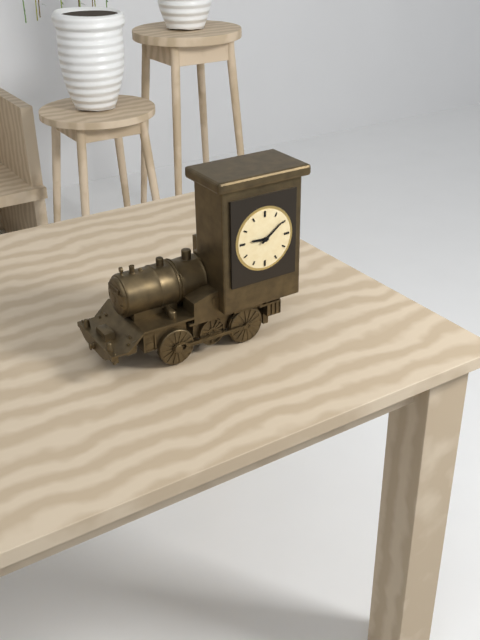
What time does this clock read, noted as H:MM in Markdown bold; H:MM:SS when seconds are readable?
**9:09**
